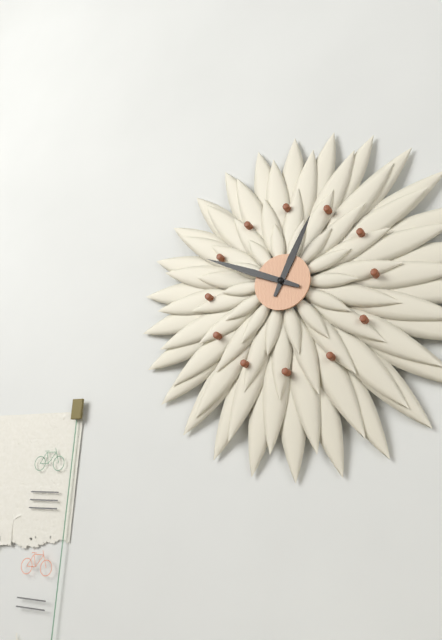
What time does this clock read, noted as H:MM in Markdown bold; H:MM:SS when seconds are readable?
**12:49**
